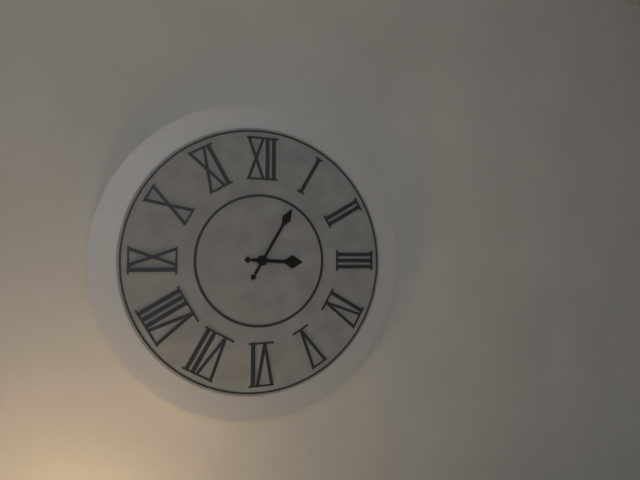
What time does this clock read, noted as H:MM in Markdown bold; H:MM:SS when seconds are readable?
**3:05**
